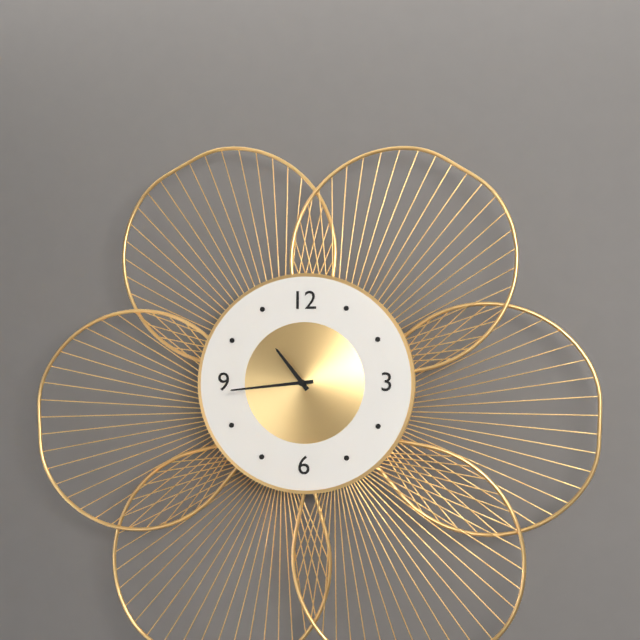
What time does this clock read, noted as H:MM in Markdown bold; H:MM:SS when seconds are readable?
**10:44**
